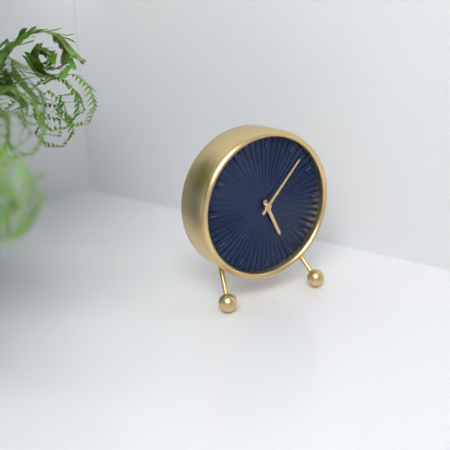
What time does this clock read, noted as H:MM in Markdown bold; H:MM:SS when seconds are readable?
**5:07**
